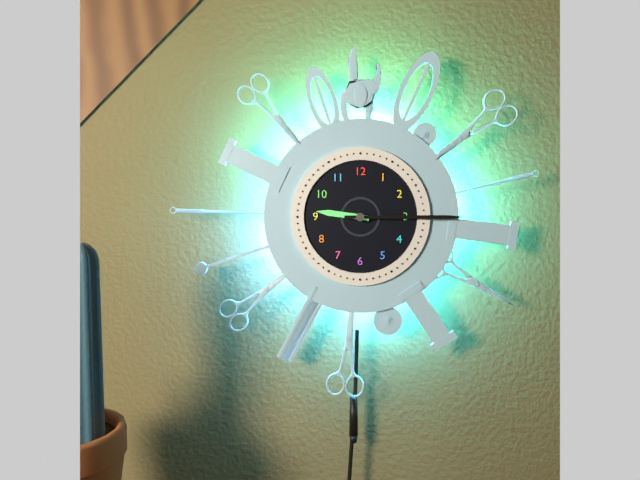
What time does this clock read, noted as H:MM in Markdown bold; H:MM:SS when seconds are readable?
**9:15**
